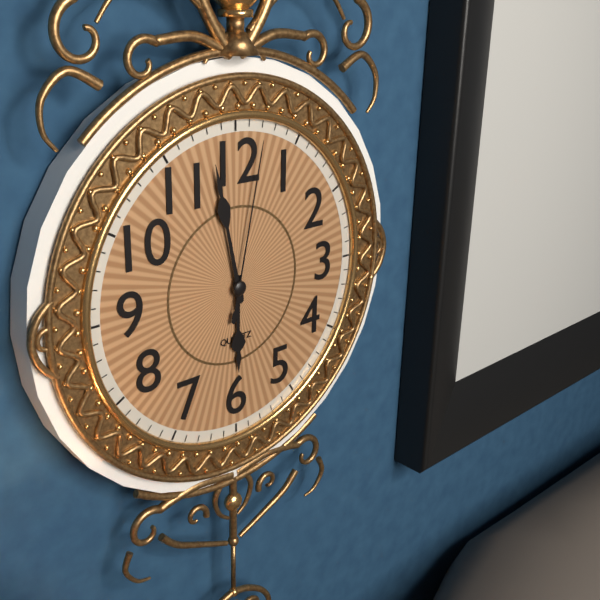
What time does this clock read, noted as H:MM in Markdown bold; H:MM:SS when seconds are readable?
**5:58:02**
